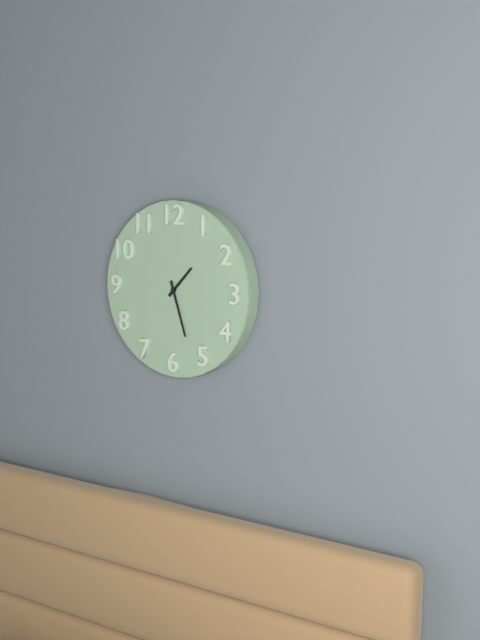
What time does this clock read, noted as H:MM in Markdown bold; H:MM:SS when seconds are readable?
**1:27**
